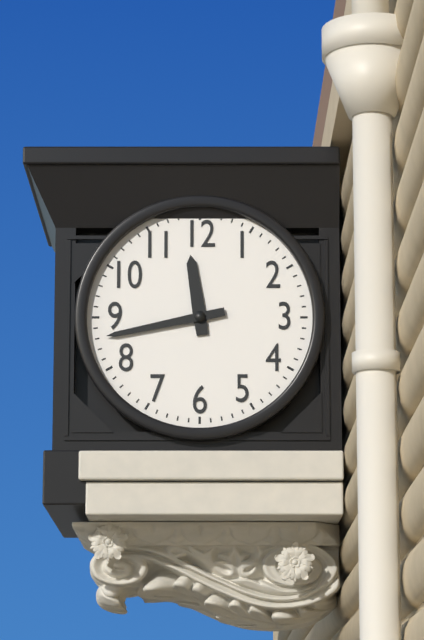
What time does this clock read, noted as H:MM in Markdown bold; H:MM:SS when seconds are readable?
**11:43**
